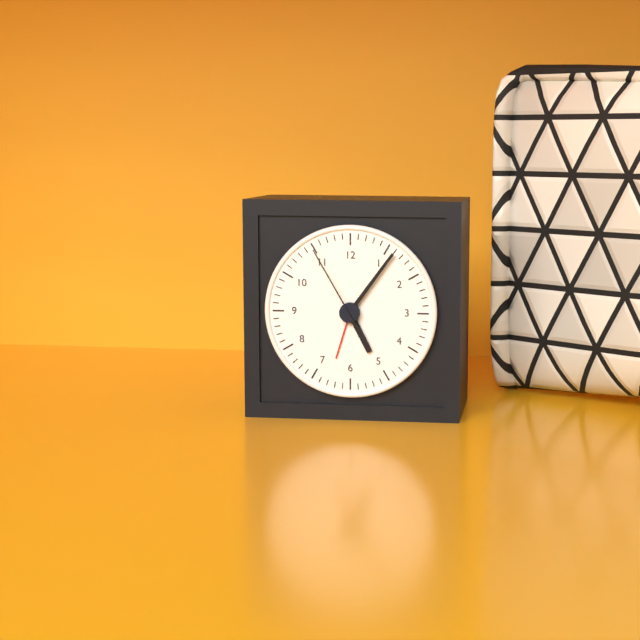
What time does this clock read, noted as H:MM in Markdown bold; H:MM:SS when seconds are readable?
**5:06:55**
